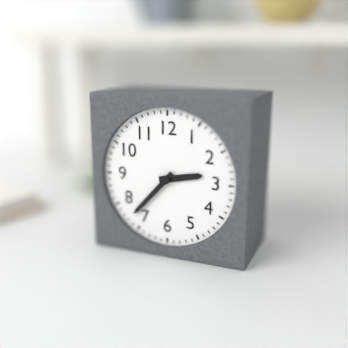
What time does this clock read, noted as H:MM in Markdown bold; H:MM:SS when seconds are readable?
**2:37**
